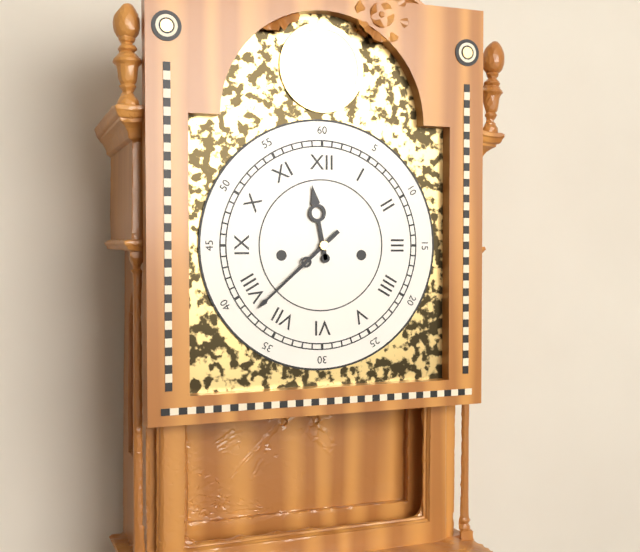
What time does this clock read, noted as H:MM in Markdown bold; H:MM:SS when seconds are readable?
**11:38**
